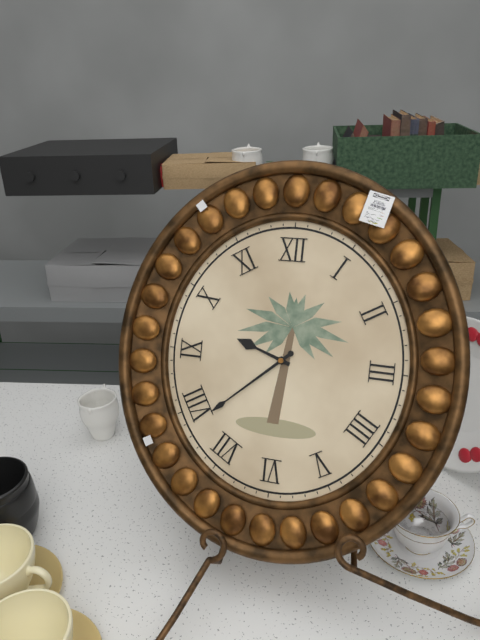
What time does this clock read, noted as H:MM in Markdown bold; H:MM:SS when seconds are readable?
**9:38**
